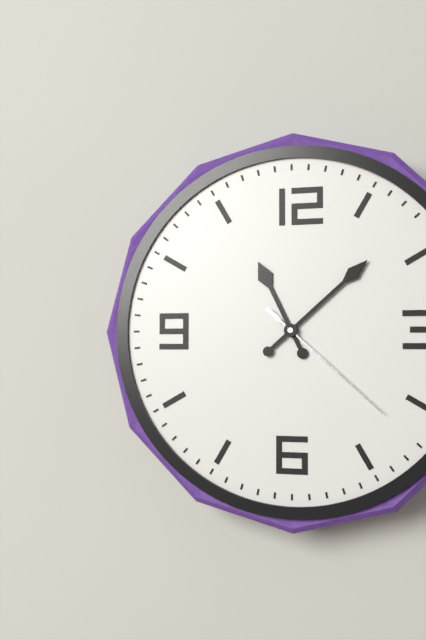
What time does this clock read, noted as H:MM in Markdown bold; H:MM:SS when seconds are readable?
**11:08:22**
